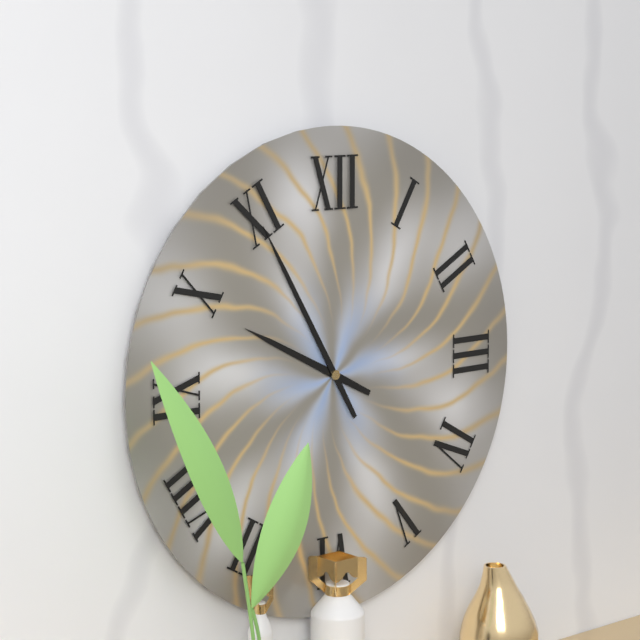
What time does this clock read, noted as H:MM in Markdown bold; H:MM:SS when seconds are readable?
**9:55**
